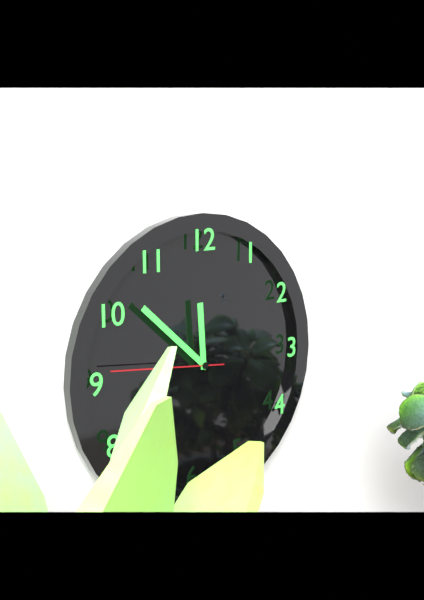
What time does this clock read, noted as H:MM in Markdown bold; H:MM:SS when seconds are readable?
**11:52:46**
